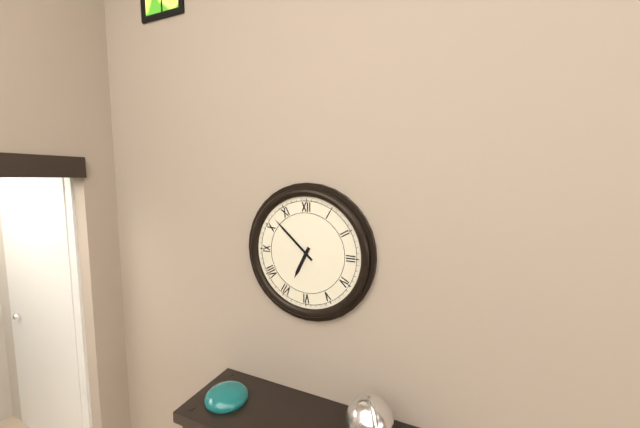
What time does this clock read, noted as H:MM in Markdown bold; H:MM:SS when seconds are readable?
**6:52**
